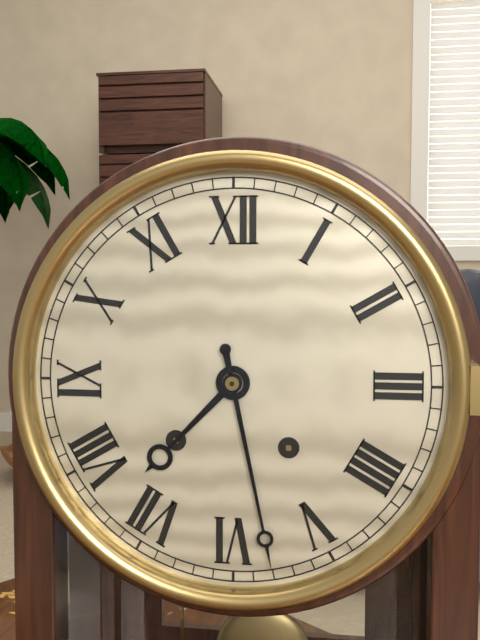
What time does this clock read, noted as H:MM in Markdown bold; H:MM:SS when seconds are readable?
**7:28**
